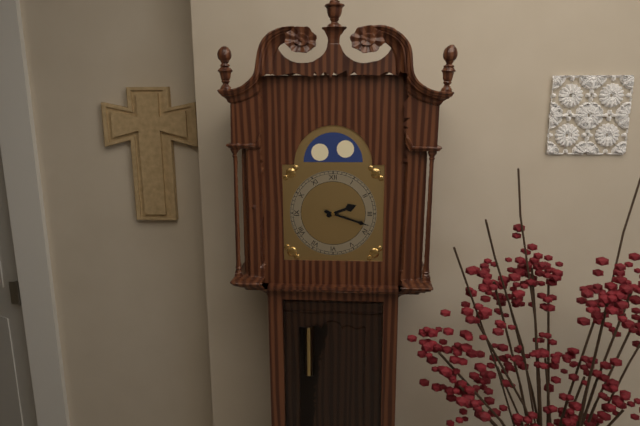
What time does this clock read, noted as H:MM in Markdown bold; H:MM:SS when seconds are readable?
**2:18**
